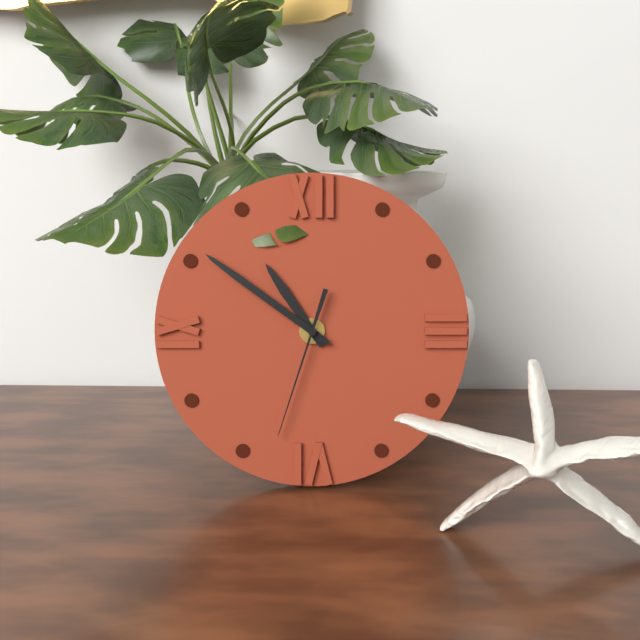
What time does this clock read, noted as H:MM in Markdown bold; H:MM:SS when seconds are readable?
**10:51:33**
